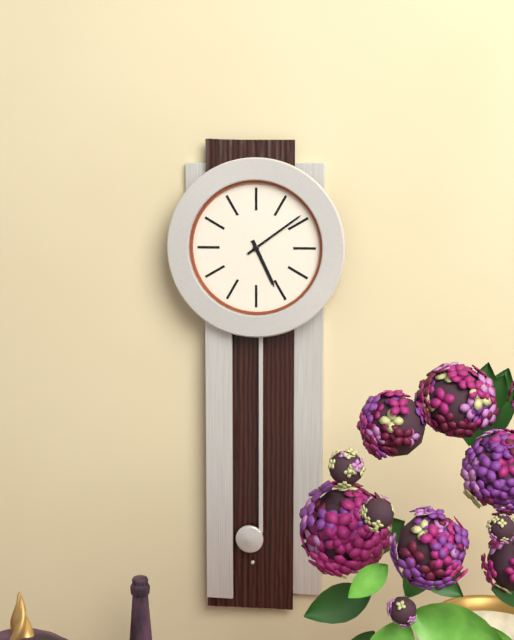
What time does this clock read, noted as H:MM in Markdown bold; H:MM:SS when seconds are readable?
**5:09**
